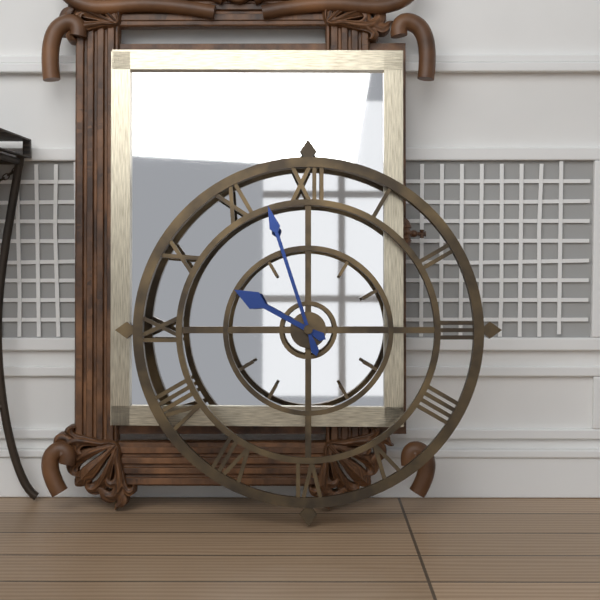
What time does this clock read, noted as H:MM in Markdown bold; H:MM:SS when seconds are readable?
**9:57**
